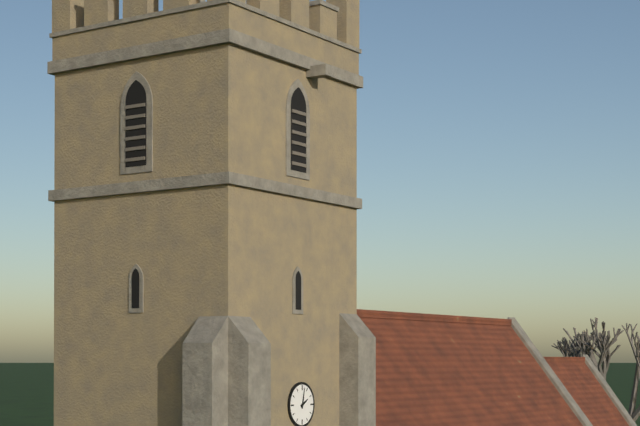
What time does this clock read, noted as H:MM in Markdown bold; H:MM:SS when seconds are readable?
**2:02**
